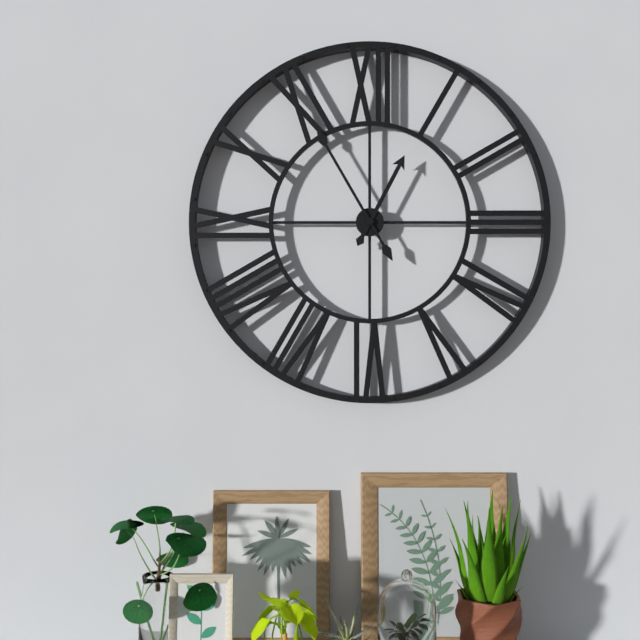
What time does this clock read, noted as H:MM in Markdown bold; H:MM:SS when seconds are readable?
**12:55**
